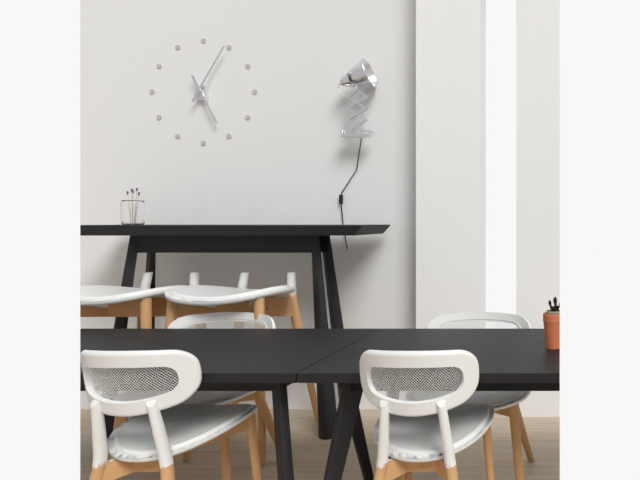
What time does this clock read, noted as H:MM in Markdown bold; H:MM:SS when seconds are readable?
**5:05**
